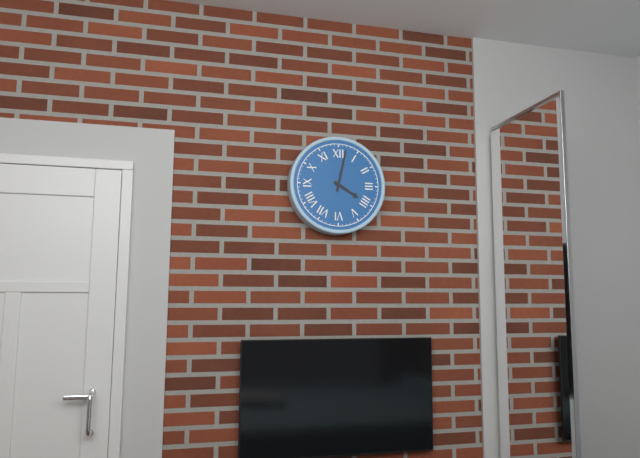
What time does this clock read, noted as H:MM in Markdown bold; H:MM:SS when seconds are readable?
**4:02**
